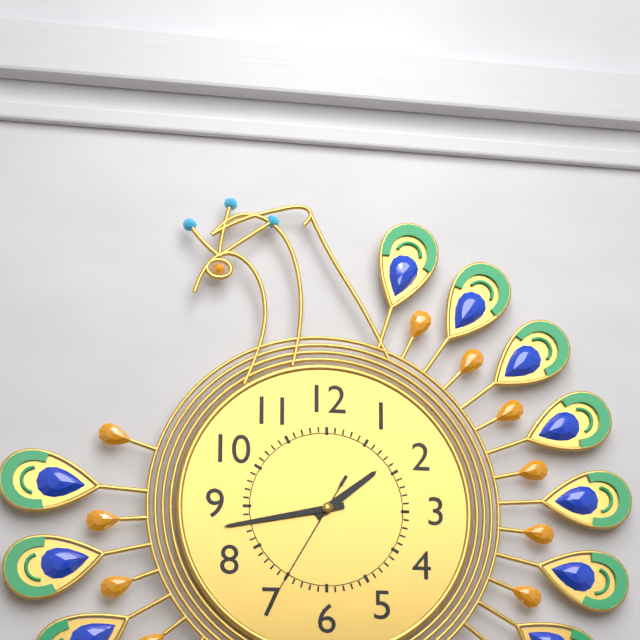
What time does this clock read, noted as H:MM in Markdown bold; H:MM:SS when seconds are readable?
**1:43:35**
